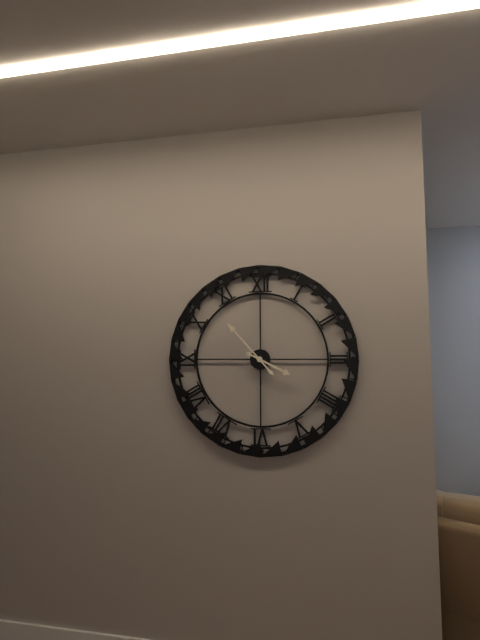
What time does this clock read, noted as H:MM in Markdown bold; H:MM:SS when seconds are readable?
**3:53**
